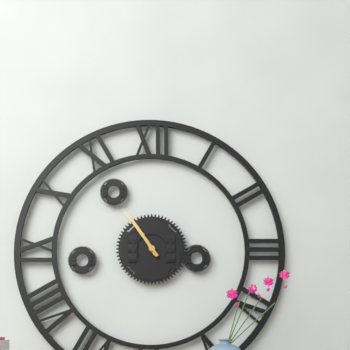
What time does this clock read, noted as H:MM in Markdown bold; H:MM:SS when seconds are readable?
**10:54**
